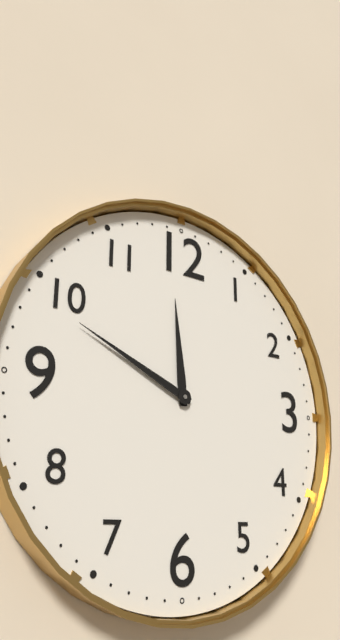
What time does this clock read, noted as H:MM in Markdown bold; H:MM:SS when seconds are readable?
**11:49**
